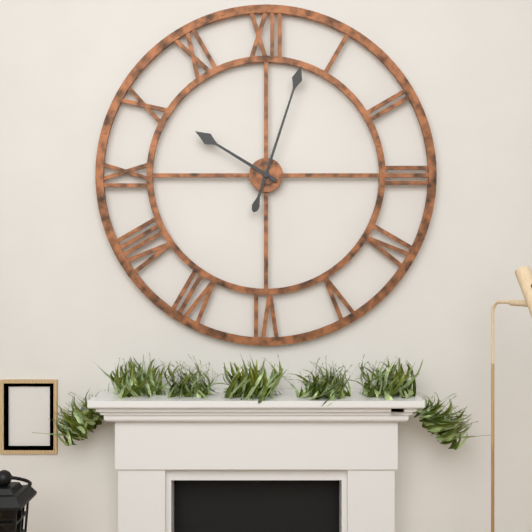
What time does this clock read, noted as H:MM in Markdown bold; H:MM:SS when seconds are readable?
**10:03**
